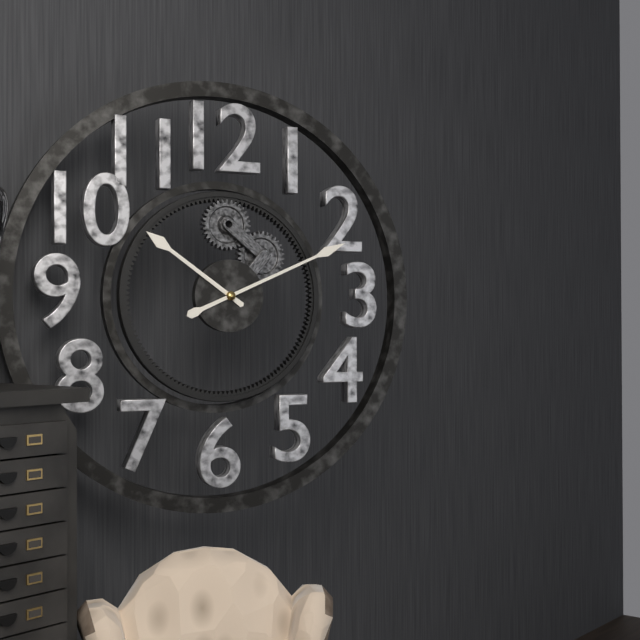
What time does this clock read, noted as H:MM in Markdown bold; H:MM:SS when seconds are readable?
**10:11**
